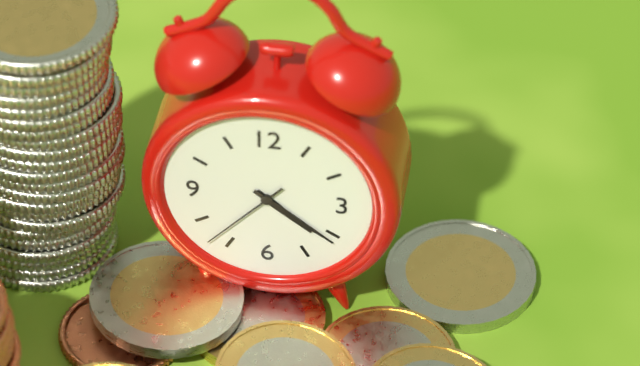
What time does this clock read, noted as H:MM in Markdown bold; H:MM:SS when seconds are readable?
**4:21:37**
